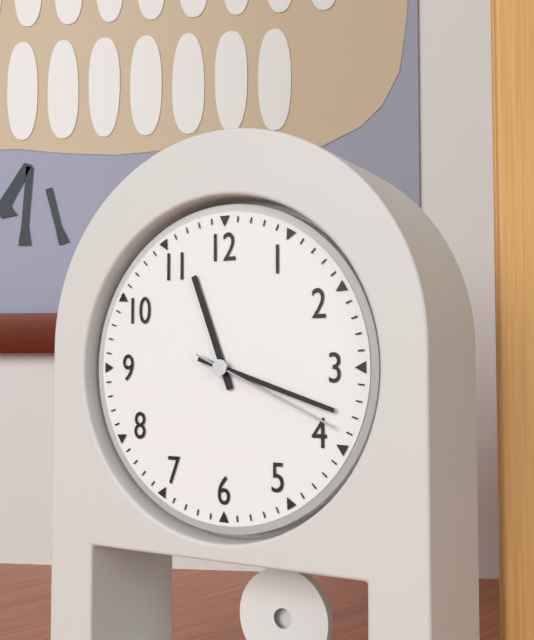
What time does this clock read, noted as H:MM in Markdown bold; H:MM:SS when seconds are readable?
**11:18:19**
